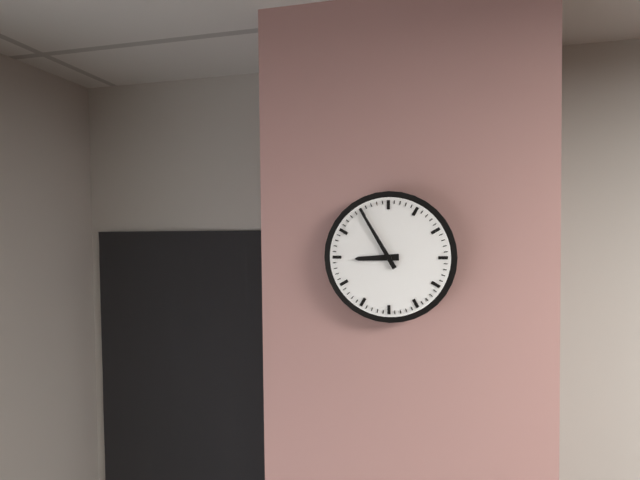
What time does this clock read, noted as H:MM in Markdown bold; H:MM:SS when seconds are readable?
**8:55**
